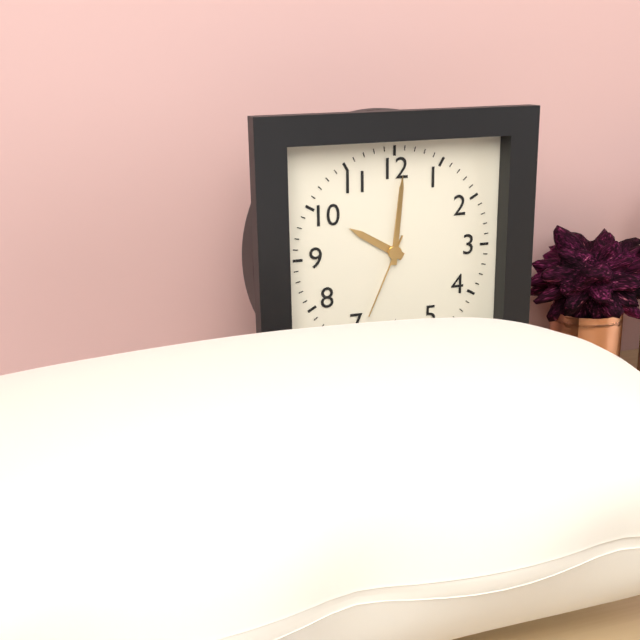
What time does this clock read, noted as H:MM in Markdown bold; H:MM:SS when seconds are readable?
**10:01:34**
